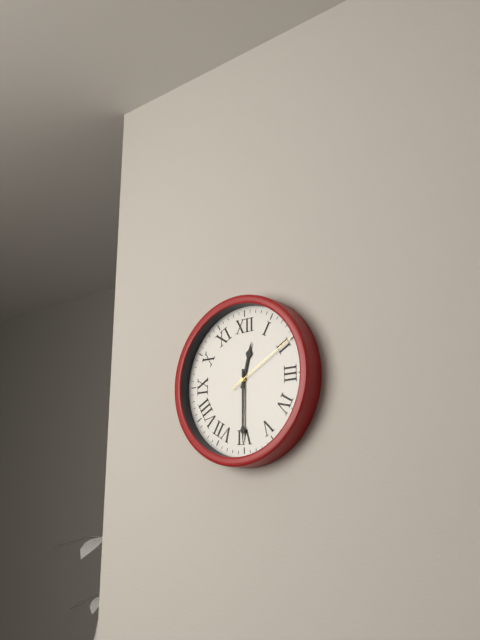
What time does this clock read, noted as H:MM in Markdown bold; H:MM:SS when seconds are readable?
**12:30:10**
